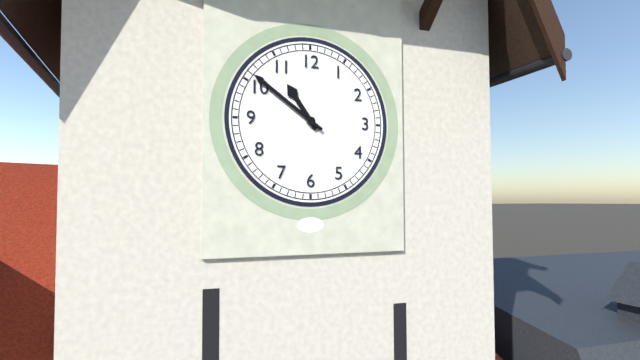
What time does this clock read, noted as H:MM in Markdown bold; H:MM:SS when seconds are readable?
**10:51**
